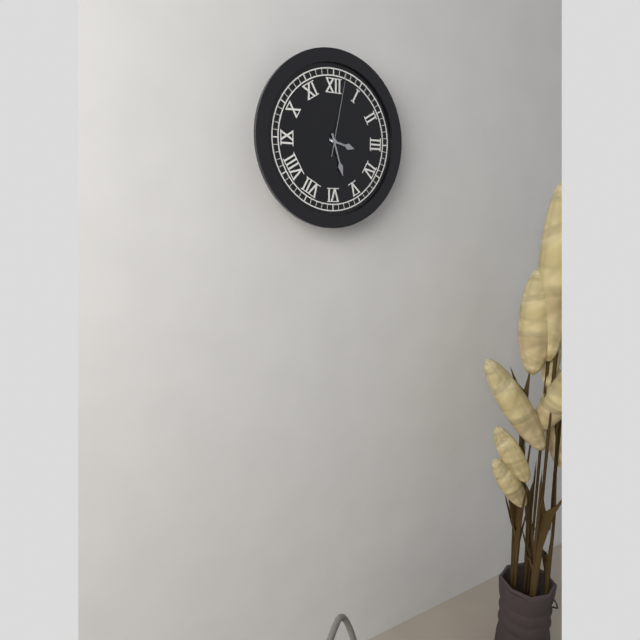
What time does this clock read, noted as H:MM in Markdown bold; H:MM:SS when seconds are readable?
**3:27:02**
